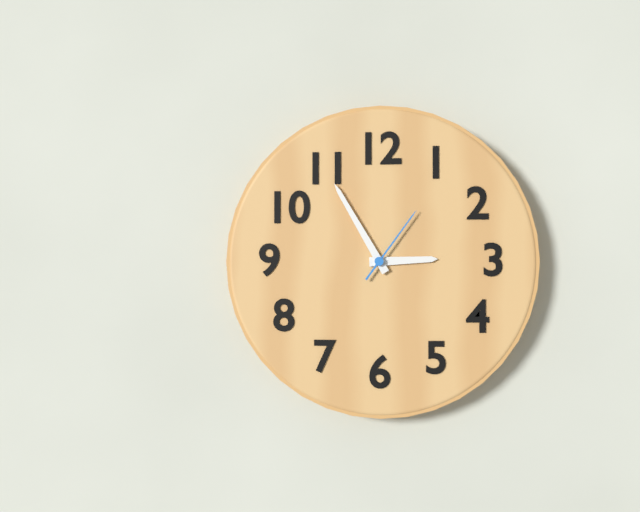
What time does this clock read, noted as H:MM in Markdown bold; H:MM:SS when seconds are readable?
**2:55:06**
